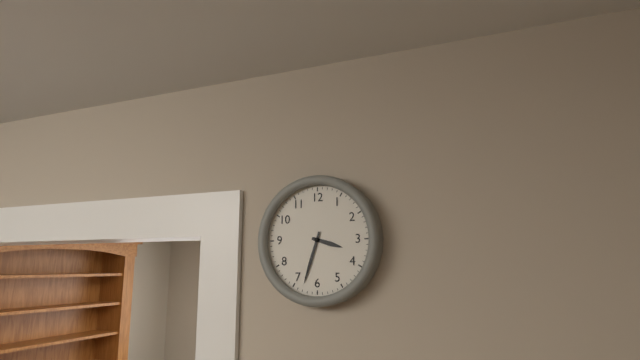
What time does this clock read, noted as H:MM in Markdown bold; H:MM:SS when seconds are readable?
**3:33**
